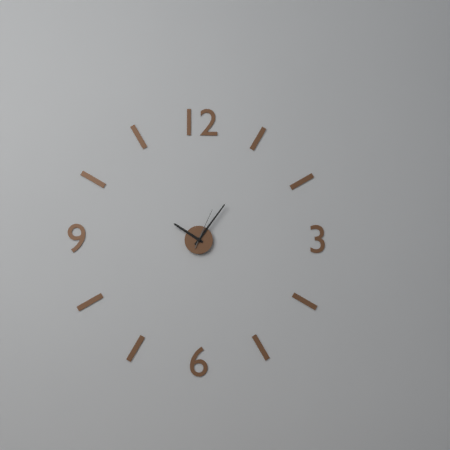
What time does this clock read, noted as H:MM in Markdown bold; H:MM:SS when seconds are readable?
**10:06**
